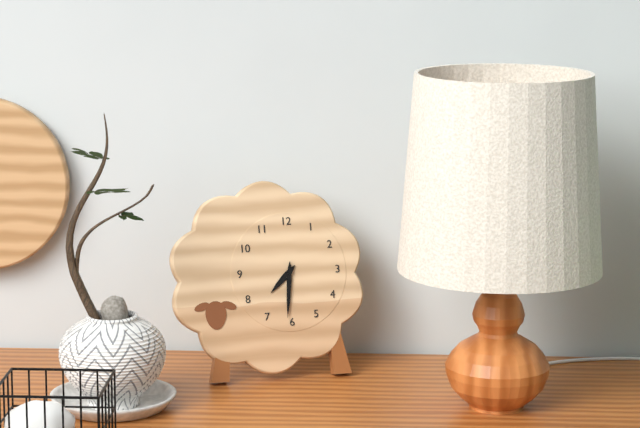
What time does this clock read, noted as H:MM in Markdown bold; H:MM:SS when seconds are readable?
**7:31**
